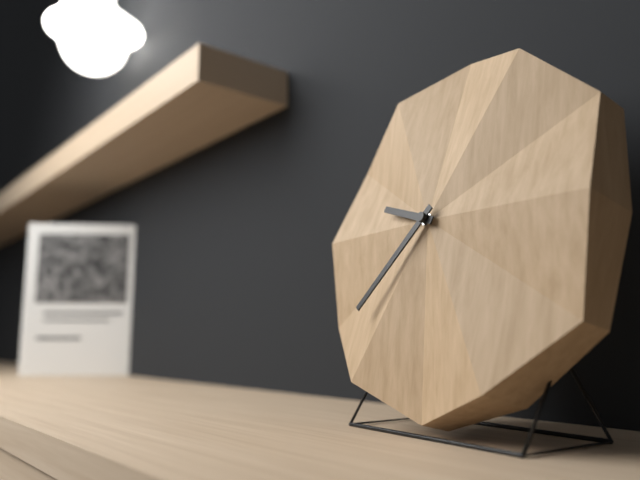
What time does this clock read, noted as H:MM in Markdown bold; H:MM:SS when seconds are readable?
**9:37**
